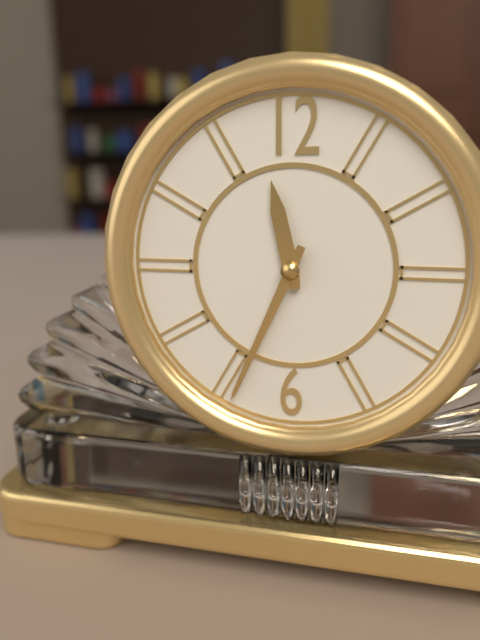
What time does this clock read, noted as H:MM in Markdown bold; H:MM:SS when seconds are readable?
**11:34**
